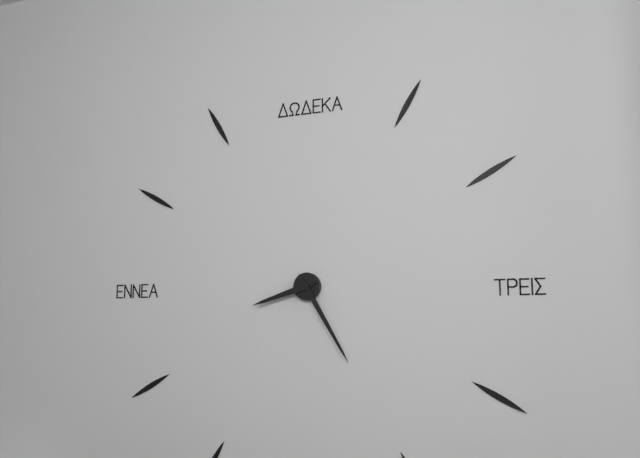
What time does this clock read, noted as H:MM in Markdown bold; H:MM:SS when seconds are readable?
**8:25**
